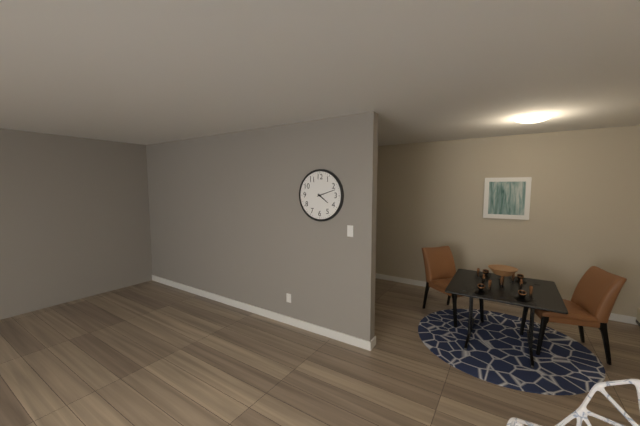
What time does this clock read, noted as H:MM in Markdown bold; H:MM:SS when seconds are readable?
**4:12**
